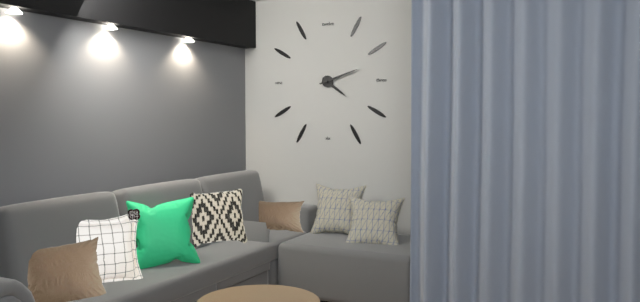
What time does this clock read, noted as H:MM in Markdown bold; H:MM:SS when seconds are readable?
**4:12**
